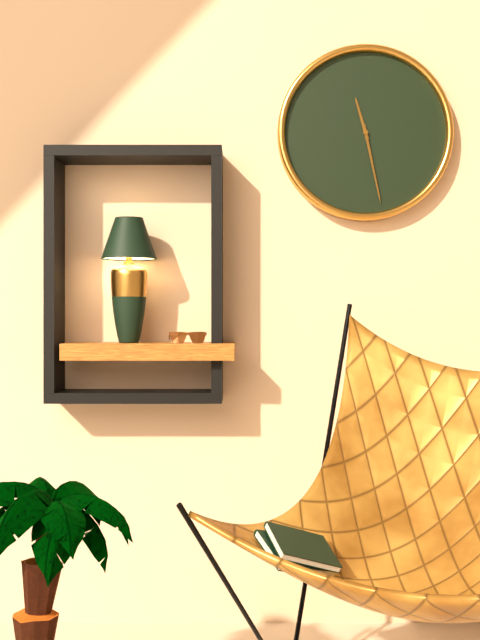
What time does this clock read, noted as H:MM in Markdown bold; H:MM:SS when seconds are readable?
**11:28**
